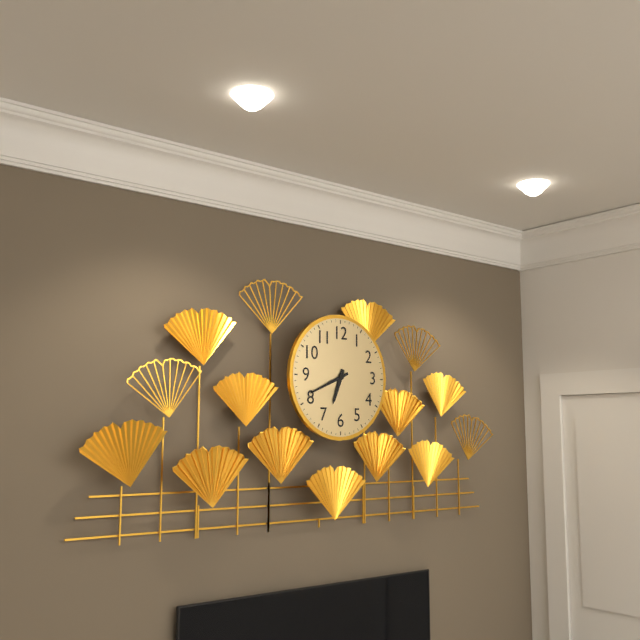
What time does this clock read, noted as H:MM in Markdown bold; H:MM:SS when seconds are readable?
**6:41**
